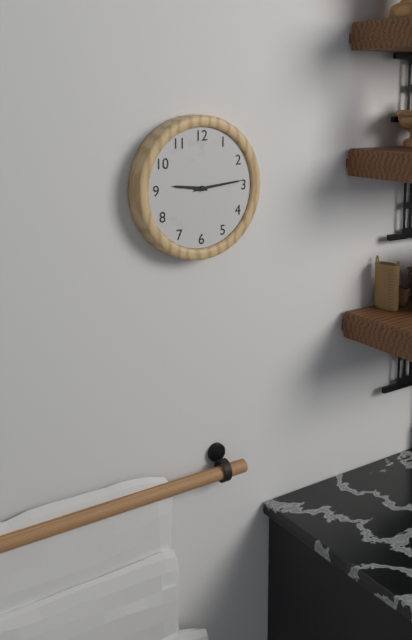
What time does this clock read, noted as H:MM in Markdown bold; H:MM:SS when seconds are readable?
**9:14**
